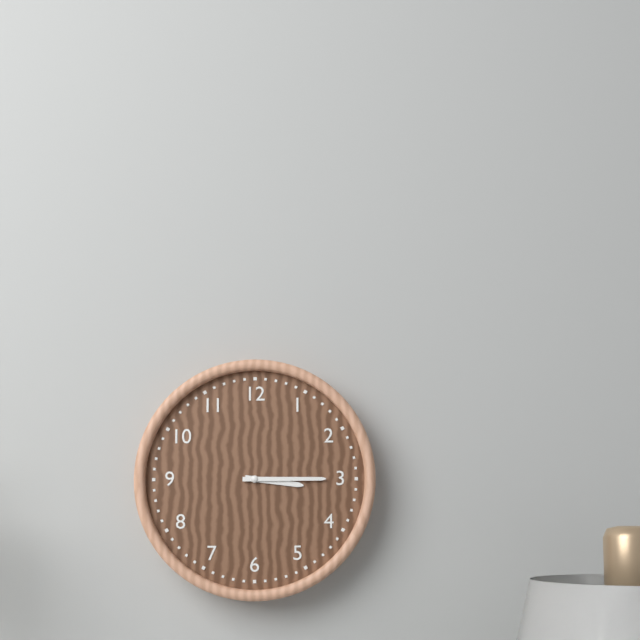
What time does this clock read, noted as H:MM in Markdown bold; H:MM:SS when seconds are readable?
**3:15**
